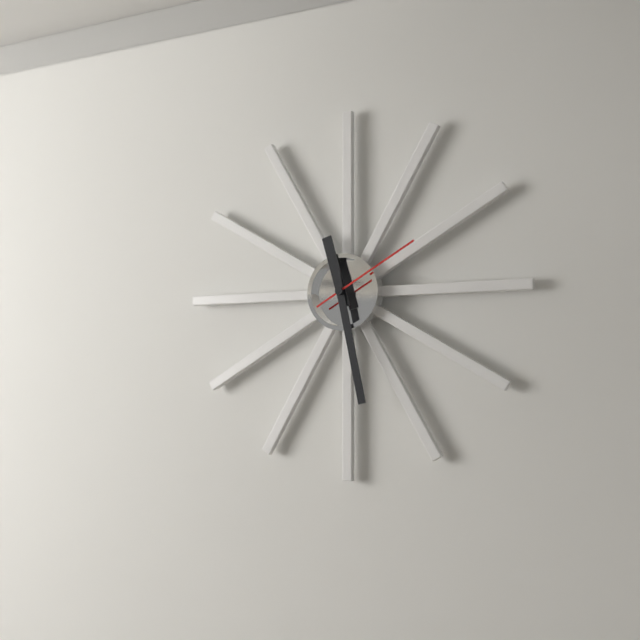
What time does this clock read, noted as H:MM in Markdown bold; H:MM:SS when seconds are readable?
**11:28:10**
